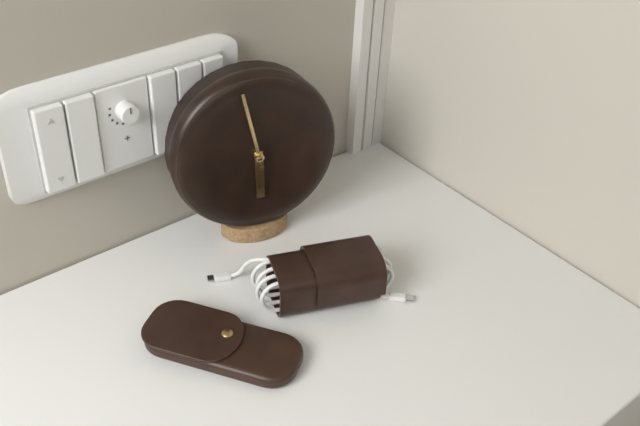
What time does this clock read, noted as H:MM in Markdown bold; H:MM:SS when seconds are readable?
**5:58:58**
